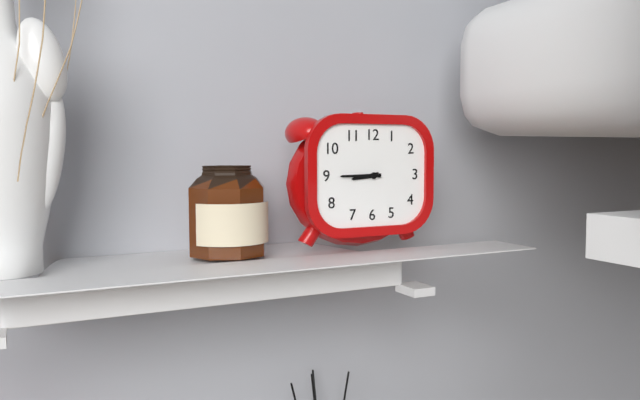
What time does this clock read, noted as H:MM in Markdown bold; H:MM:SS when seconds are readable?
**8:45**
